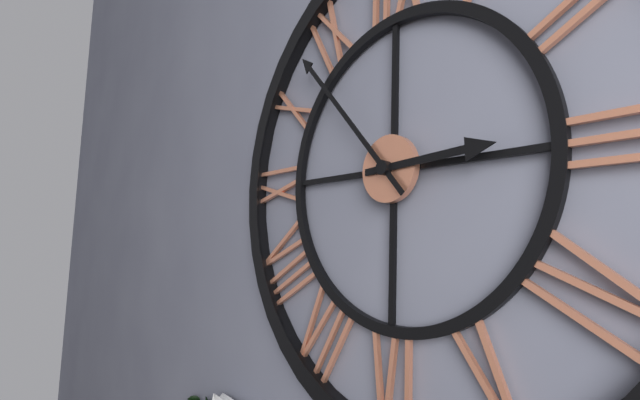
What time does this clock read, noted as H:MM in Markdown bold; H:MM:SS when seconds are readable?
**2:53**
